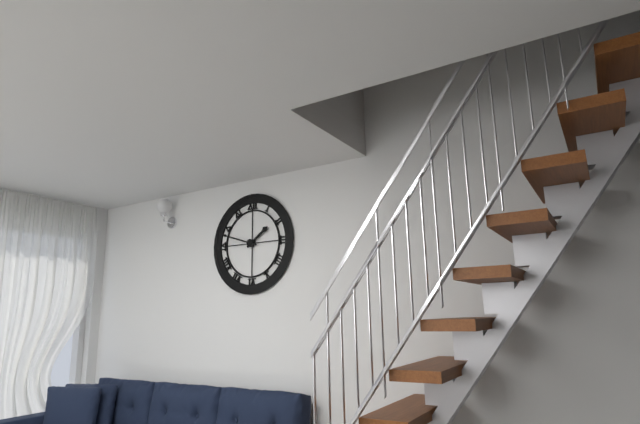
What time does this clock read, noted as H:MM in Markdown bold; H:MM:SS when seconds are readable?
**1:48**
